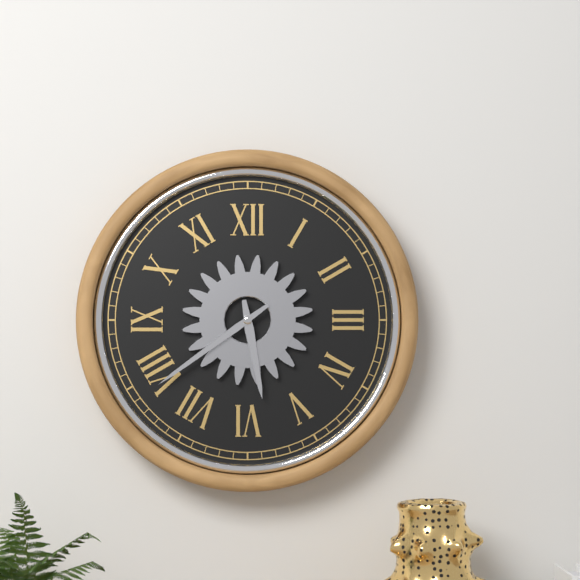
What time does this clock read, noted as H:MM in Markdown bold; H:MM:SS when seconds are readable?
**5:39**
